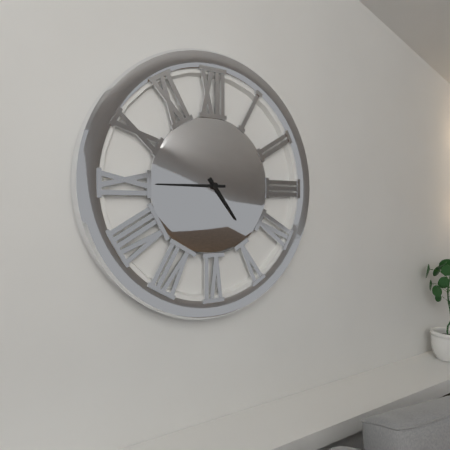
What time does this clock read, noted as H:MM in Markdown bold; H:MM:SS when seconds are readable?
**4:45**
